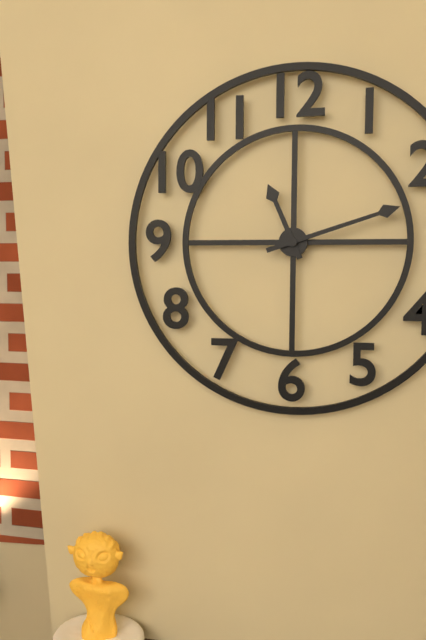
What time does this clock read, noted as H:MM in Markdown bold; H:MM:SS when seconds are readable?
**11:12**
